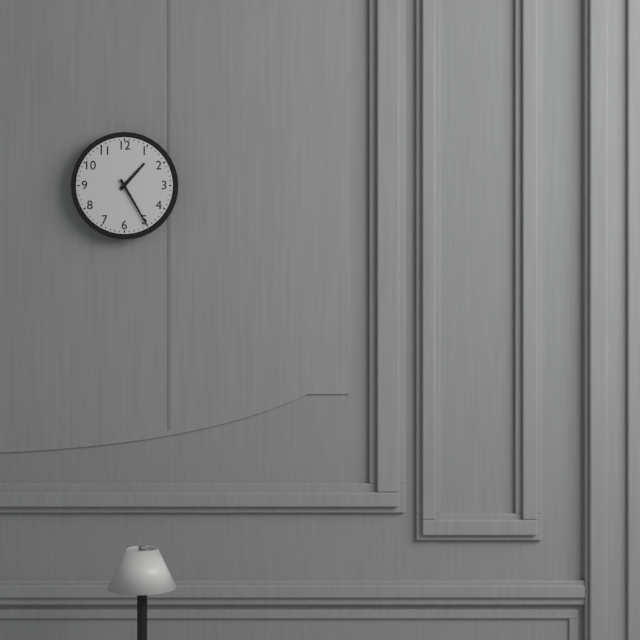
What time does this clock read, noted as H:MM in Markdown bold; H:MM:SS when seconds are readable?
**1:25**
